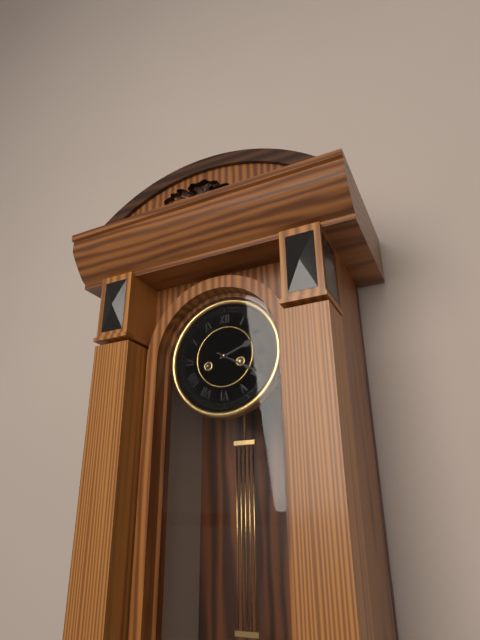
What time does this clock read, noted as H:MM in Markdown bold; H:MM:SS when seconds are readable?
**2:20**
